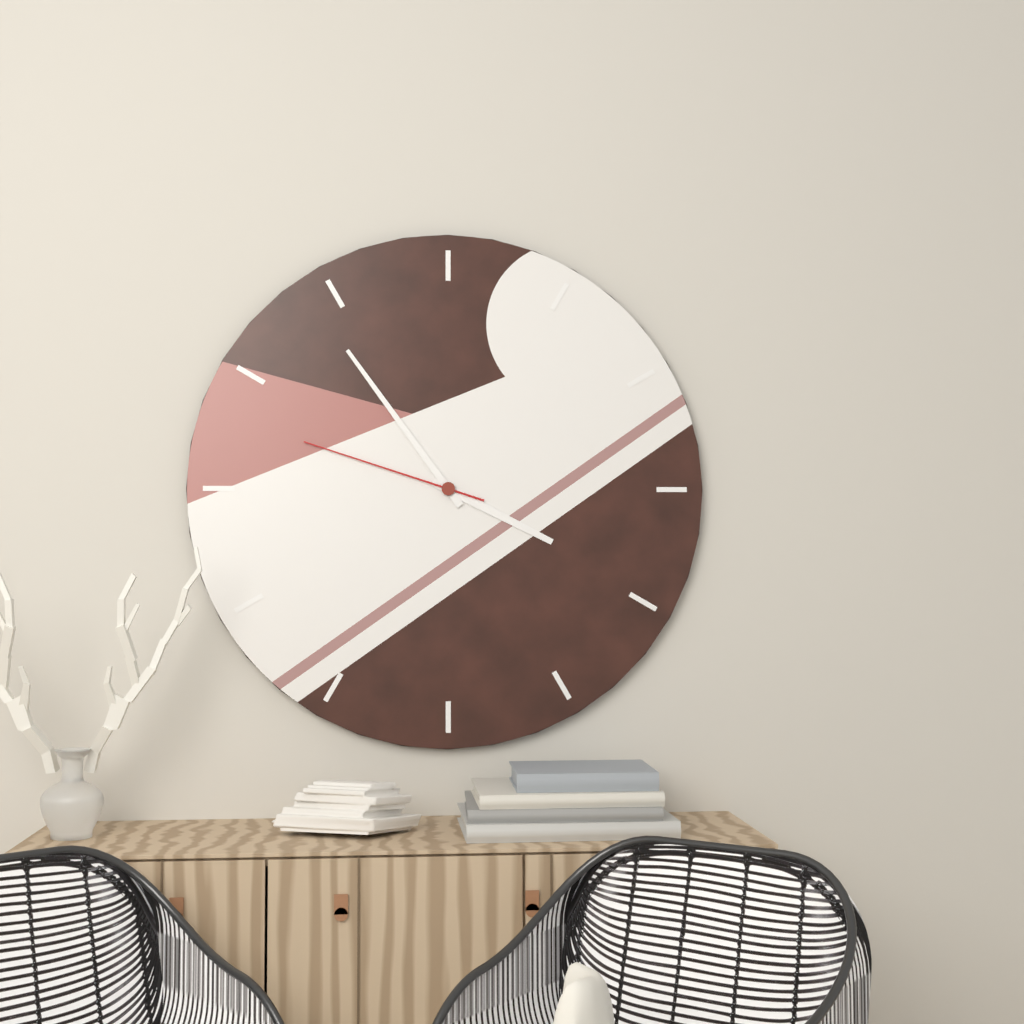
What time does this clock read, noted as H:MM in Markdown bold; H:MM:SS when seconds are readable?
**3:54:48**
